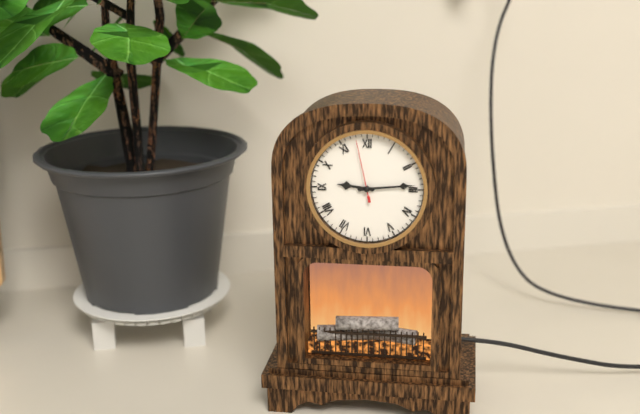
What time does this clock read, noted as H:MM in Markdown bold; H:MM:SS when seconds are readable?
**9:14**
